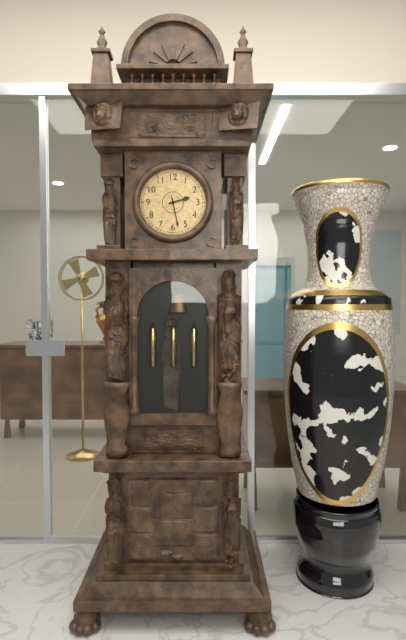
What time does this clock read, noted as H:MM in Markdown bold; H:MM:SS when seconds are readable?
**2:28**
